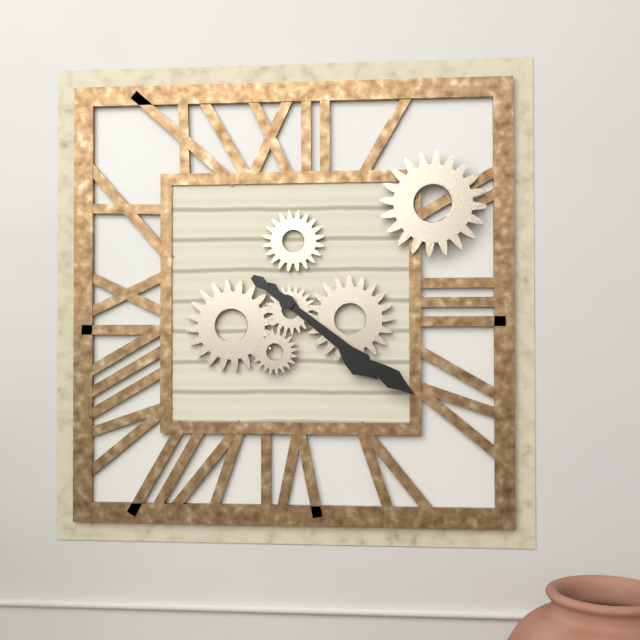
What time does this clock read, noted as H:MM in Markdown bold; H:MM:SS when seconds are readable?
**4:21**
